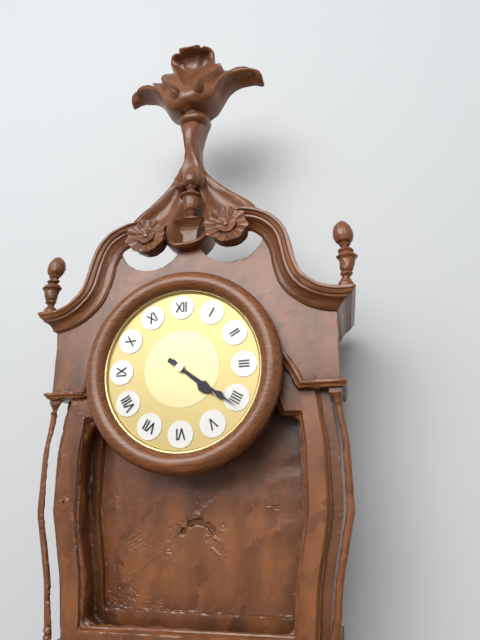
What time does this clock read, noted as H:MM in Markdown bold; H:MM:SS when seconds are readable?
**4:21**
